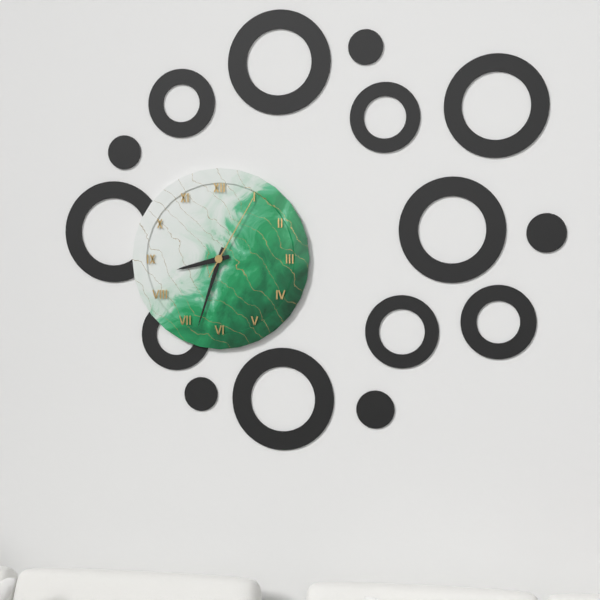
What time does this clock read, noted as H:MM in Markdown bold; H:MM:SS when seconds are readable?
**8:33:05**
